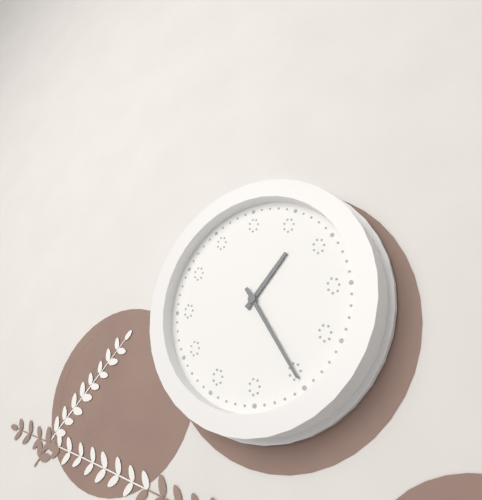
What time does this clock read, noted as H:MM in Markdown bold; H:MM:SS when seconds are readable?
**1:25**
